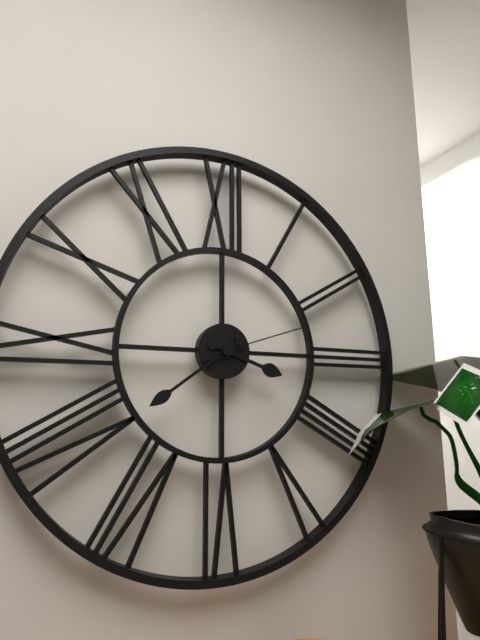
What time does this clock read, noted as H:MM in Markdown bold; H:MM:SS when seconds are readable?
**3:39:12**
